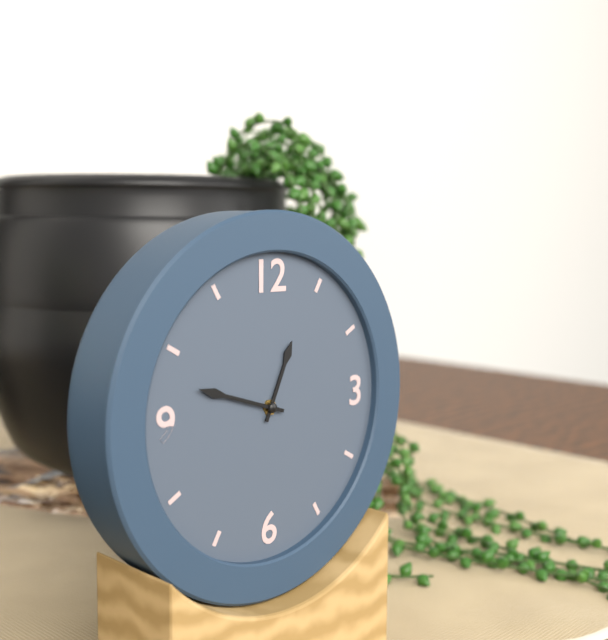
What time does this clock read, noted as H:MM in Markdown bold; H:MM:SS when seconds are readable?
**12:48**
